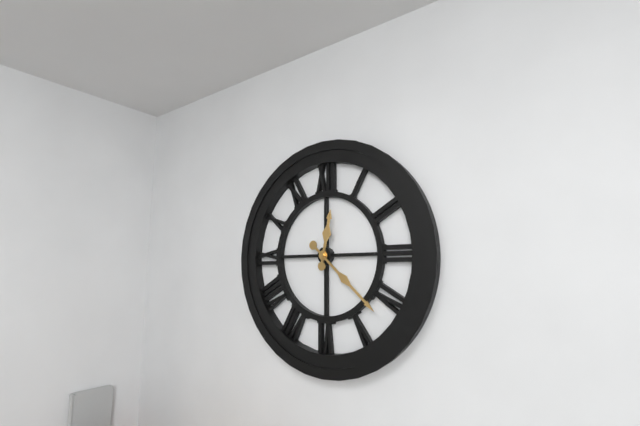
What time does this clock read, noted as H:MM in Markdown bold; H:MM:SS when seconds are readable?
**12:22**
